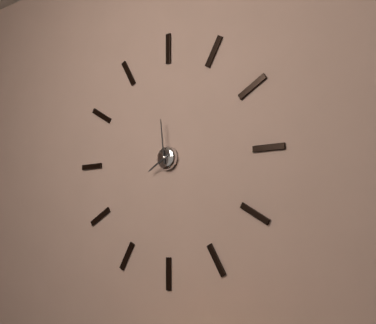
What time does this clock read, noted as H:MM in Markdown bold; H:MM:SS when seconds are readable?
**7:59**
